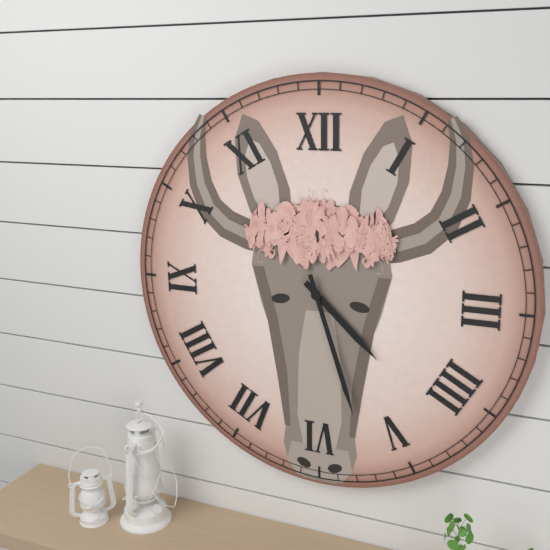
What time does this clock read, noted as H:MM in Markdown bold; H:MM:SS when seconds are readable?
**4:27**
